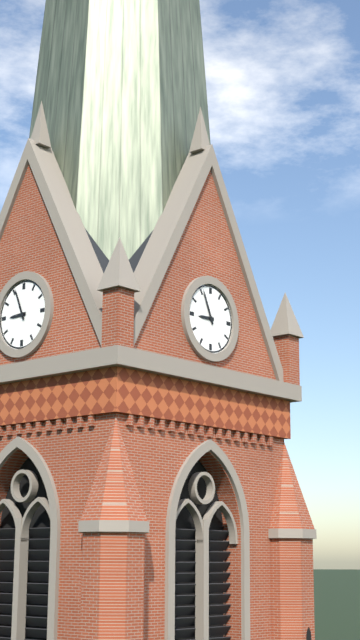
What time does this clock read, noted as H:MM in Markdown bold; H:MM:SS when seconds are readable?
**8:56**
